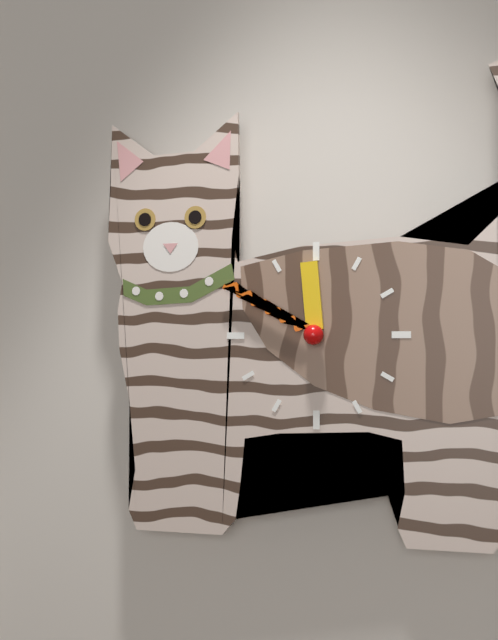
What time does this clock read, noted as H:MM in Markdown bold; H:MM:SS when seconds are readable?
**11:50**
